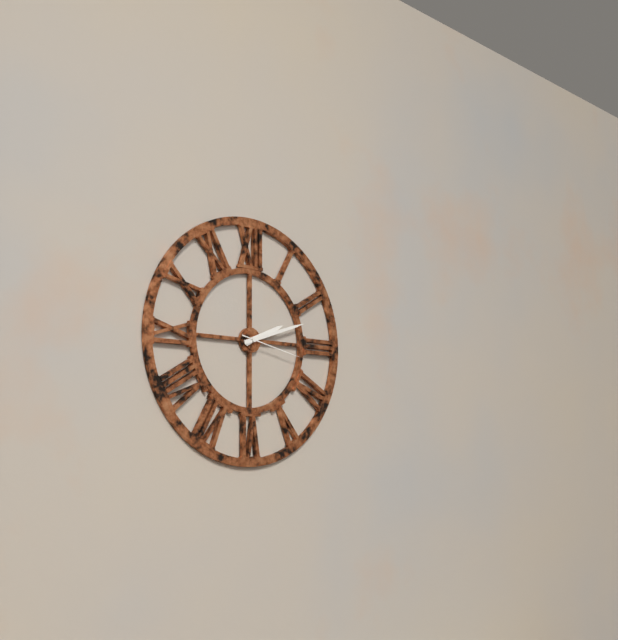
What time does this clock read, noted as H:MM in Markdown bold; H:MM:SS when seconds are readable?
**2:12:17**
